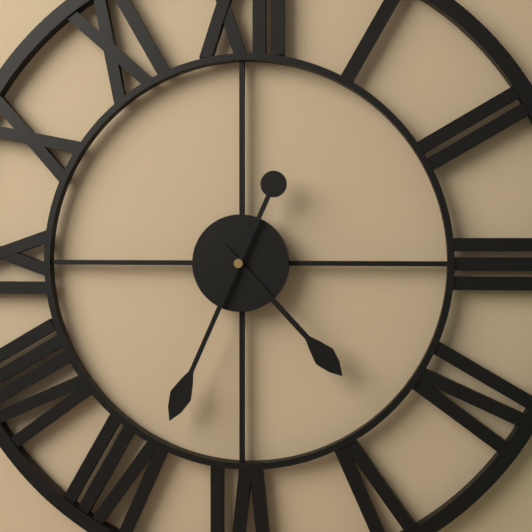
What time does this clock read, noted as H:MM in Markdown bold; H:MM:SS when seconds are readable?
**4:34**
